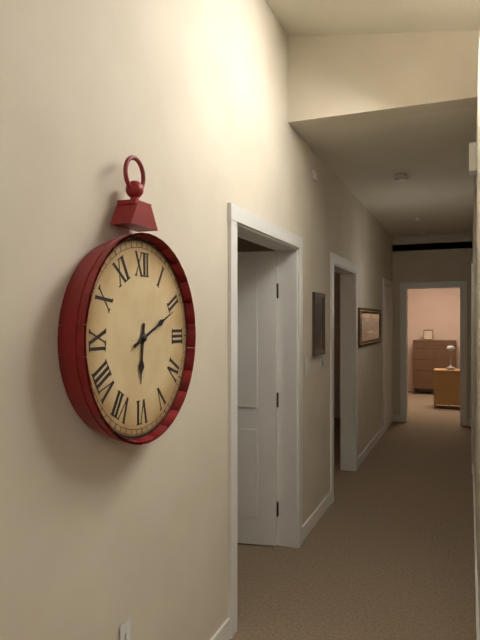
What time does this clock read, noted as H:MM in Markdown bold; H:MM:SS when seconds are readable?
**6:11**
